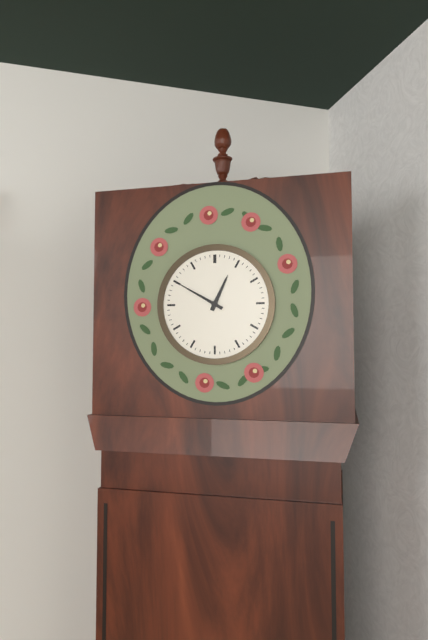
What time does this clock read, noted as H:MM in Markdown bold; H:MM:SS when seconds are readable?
**12:50**
